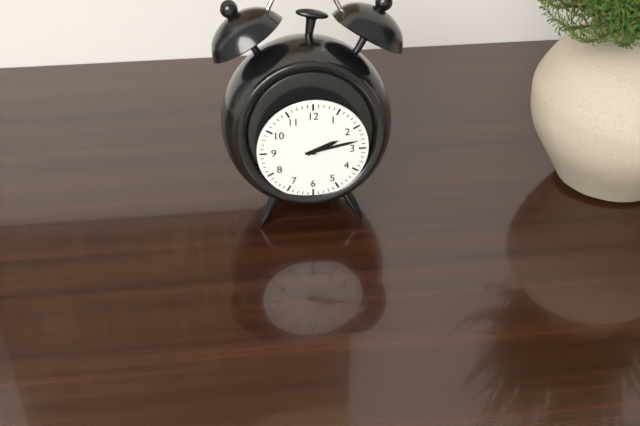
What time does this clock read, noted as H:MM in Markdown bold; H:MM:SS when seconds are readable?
**2:13**
